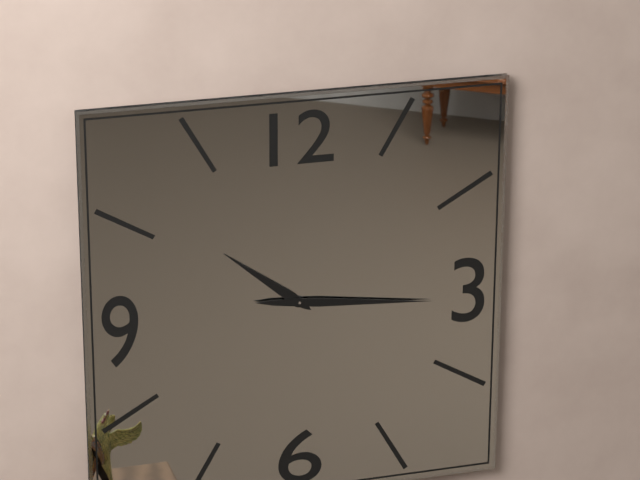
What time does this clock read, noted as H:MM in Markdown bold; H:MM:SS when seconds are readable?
**10:16**
